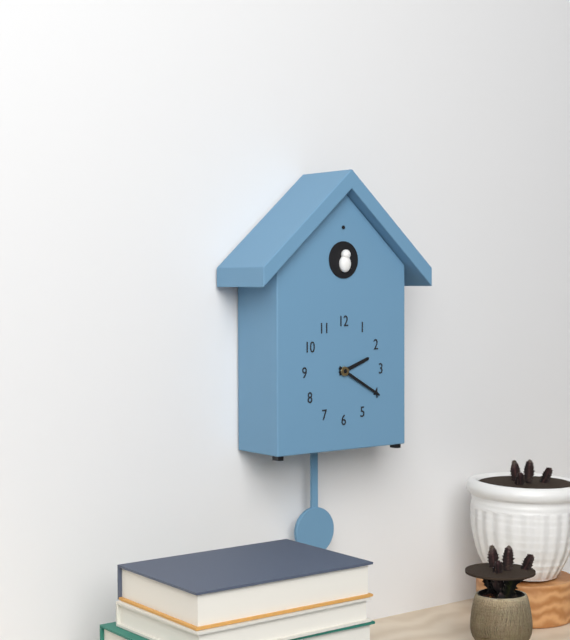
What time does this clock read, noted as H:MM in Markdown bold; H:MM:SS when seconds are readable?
**2:20**
